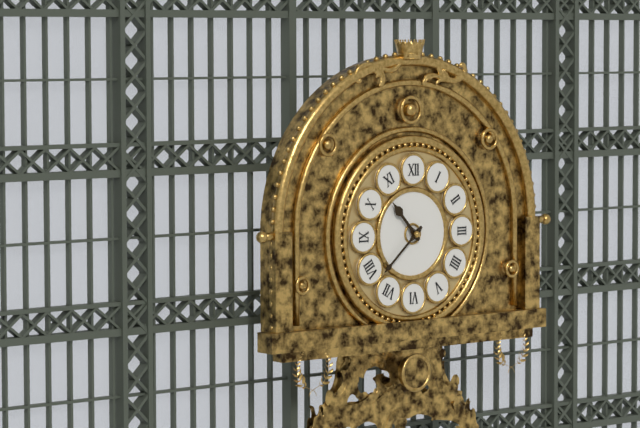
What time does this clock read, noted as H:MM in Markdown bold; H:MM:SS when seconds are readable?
**10:38**
